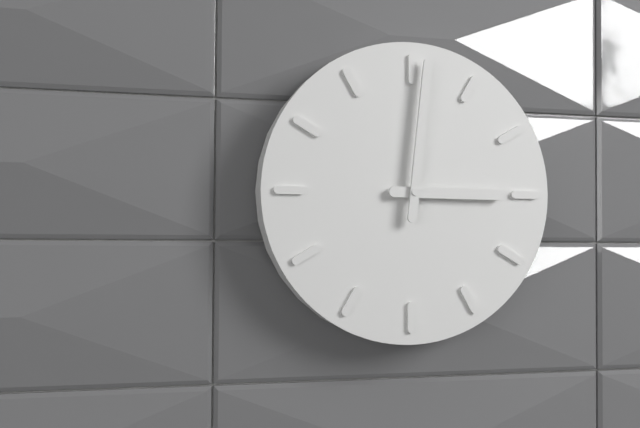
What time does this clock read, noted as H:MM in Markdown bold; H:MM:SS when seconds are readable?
**3:01**
